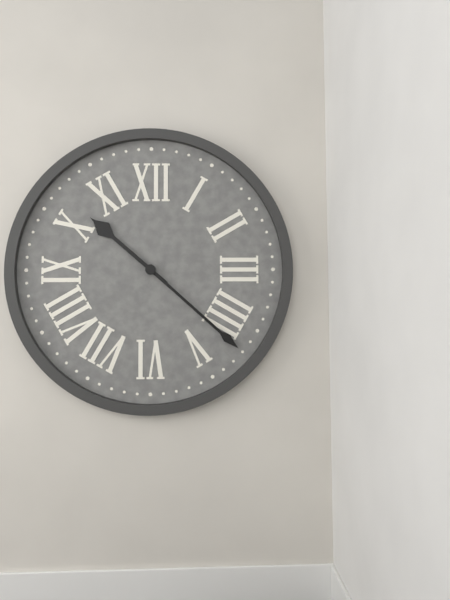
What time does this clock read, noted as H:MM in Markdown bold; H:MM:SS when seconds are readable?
**10:22**
